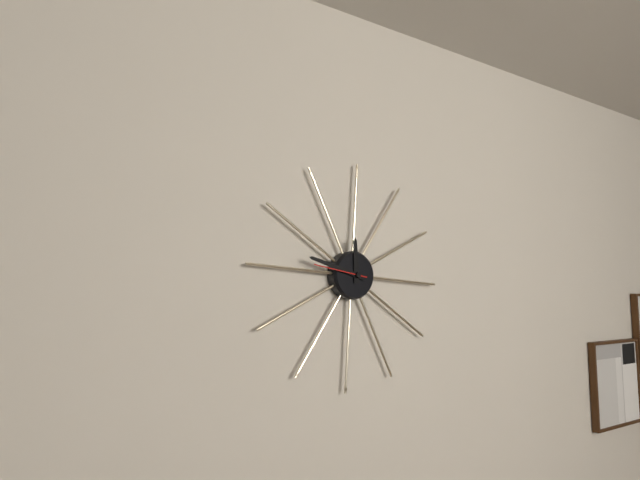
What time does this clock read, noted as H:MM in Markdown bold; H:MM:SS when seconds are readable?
**11:47**
